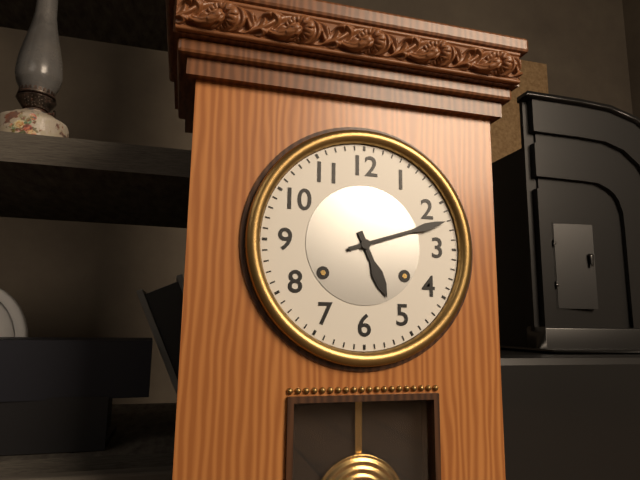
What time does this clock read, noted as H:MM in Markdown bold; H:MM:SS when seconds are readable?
**5:12**
